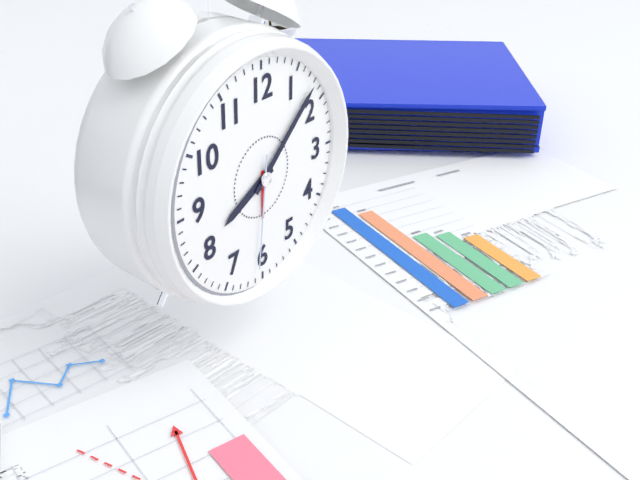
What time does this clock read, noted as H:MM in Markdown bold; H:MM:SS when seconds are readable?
**8:08:31**
